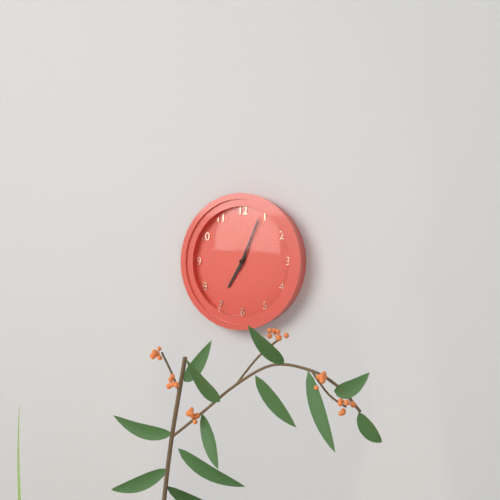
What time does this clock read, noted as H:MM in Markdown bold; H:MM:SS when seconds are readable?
**7:04**
